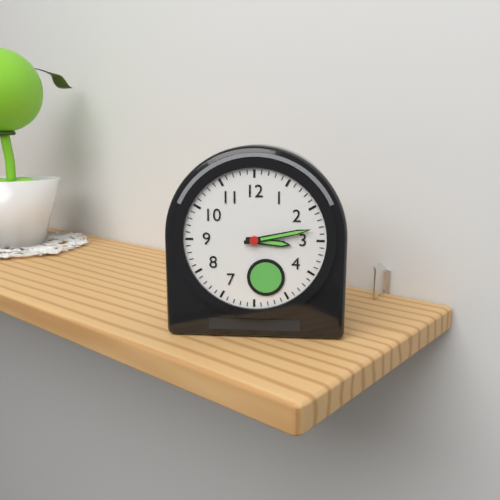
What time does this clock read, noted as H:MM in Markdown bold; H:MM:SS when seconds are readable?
**3:13**
